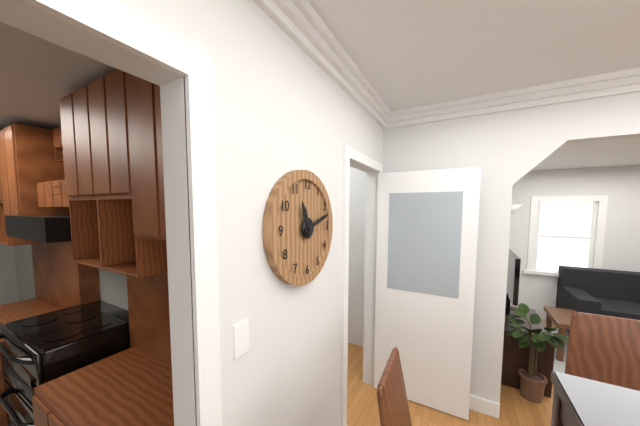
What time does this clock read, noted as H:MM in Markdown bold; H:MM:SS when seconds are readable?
**11:12**
